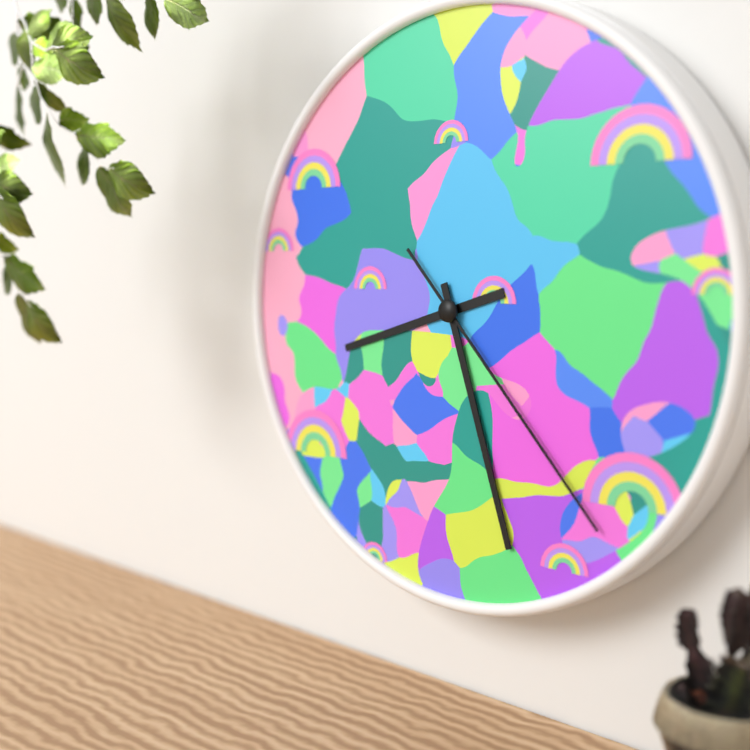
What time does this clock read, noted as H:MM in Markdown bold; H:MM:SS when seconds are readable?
**8:27:23**
